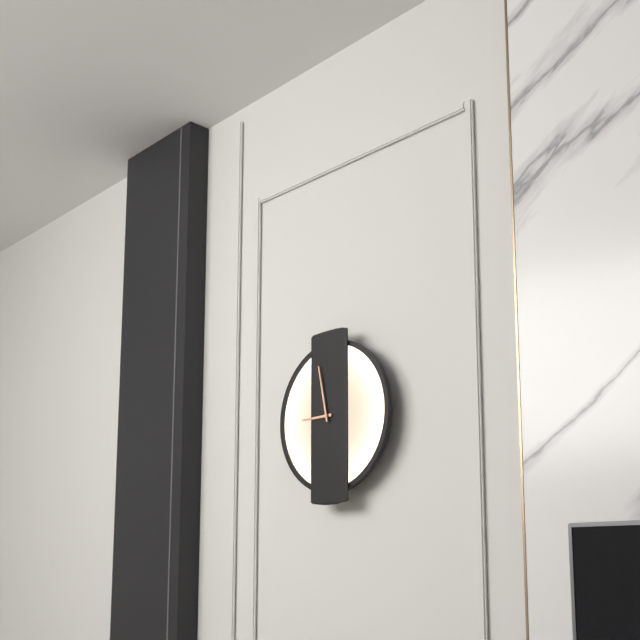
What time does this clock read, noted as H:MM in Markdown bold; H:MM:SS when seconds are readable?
**8:58**
